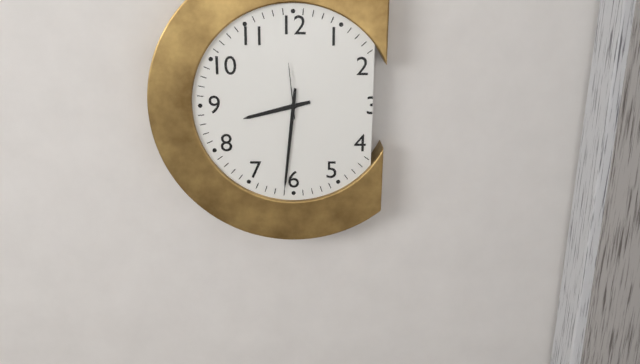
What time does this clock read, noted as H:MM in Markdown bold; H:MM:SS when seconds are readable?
**8:31:59**
